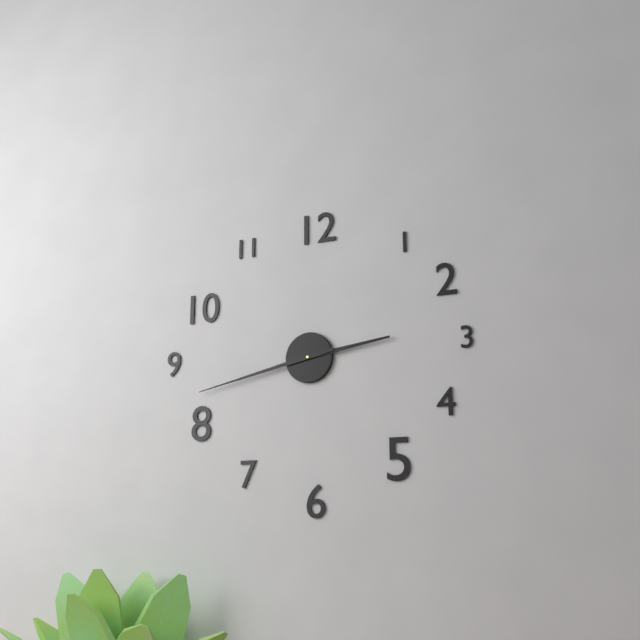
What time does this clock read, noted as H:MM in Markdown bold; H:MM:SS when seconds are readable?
**2:43**
